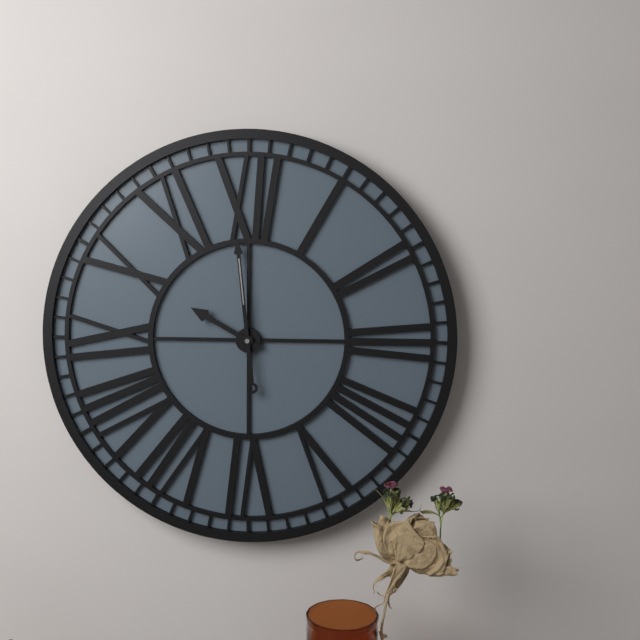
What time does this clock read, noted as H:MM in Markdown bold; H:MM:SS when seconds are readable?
**9:59**
